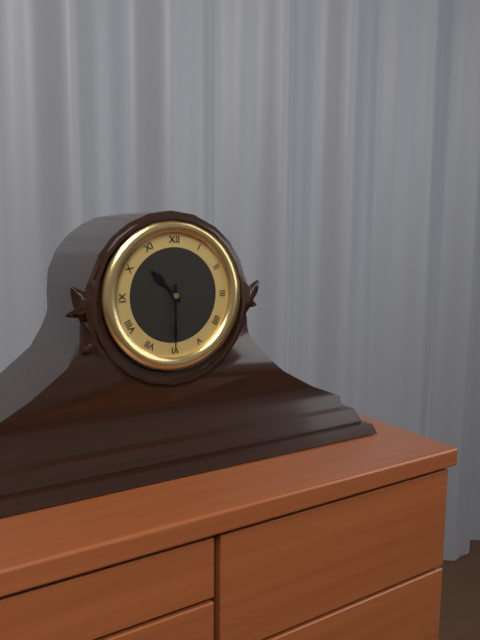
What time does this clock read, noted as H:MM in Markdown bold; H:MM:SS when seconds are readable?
**10:30**
